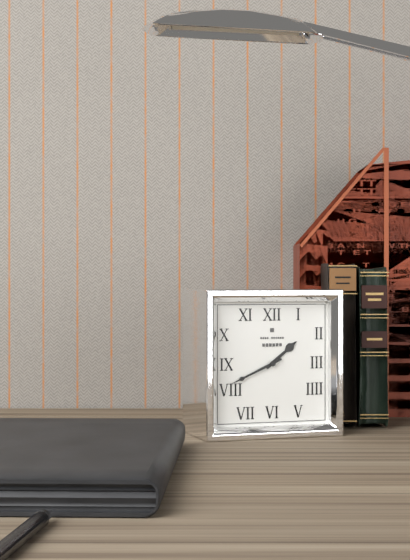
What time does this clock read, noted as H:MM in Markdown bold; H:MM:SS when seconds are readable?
**1:41**
